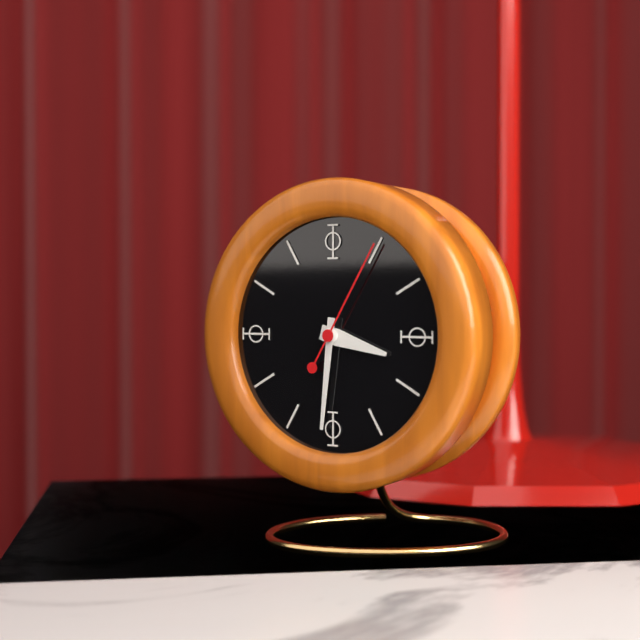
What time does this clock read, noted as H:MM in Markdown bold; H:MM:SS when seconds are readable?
**3:31:05**
